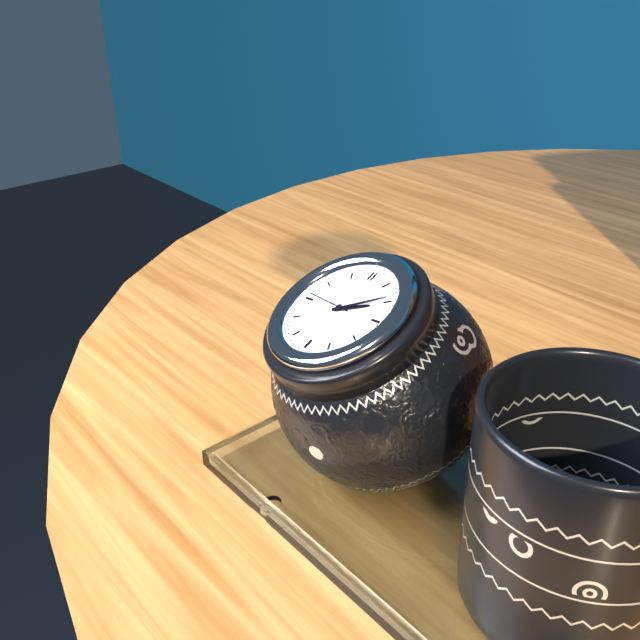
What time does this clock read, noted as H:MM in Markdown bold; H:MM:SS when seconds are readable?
**2:09**
